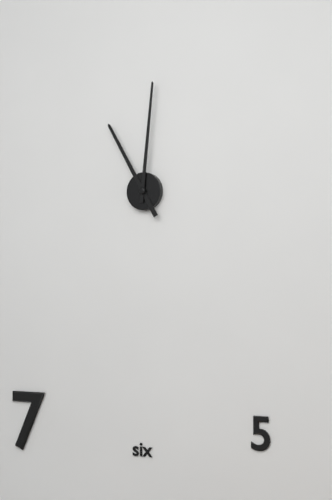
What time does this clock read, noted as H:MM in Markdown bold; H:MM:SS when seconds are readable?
**11:01**
